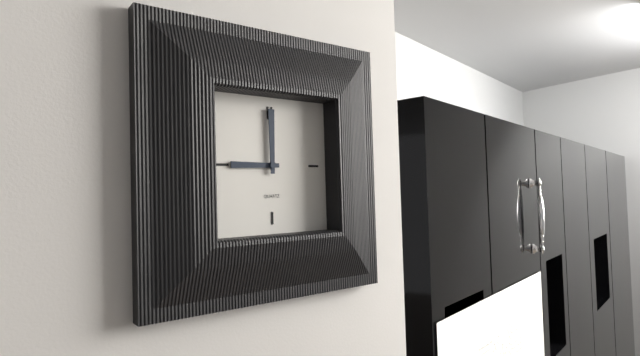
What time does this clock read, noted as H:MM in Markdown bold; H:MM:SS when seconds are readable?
**9:00**
